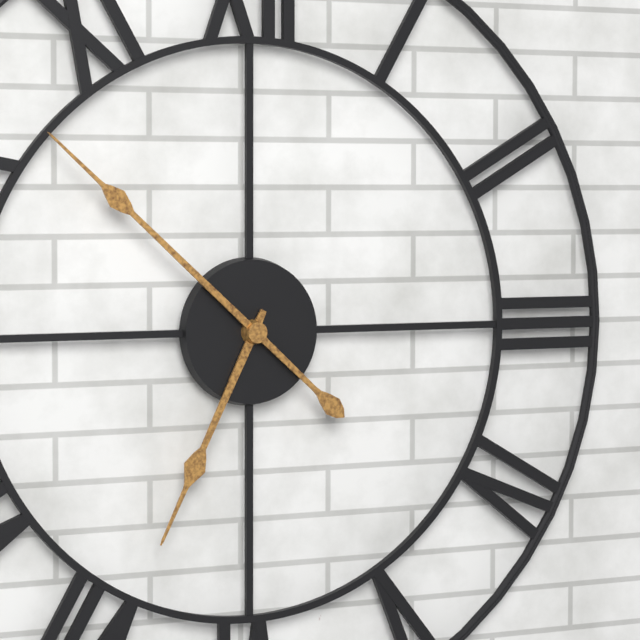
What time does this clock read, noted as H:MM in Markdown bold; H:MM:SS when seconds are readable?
**6:52**
